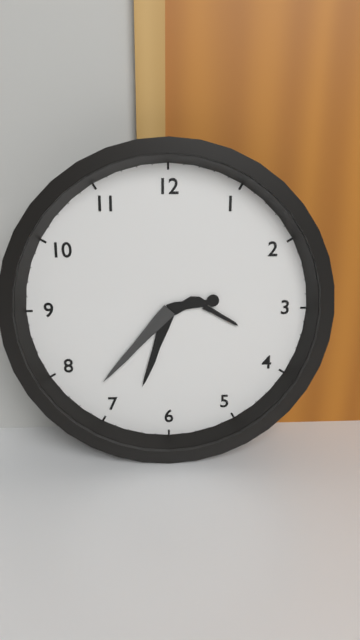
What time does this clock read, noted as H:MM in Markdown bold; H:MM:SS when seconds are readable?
**6:37**
